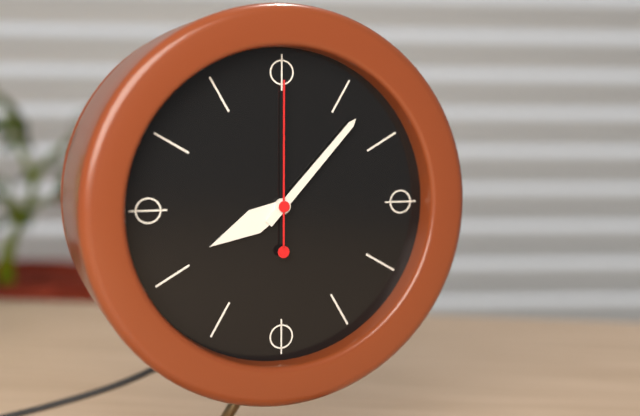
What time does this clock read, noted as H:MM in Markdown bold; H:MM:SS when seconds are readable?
**8:07:00**
